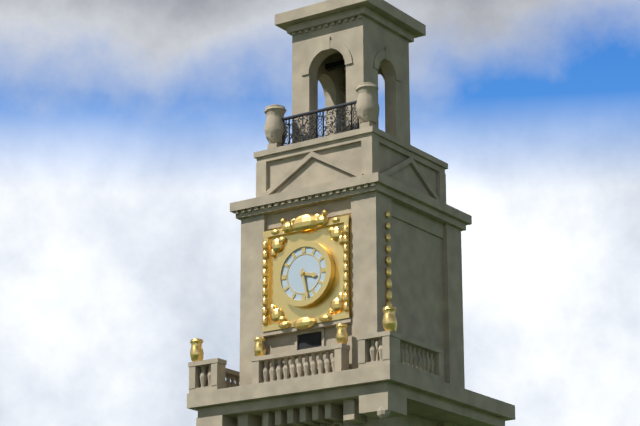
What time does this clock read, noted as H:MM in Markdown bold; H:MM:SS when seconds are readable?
**3:28**
